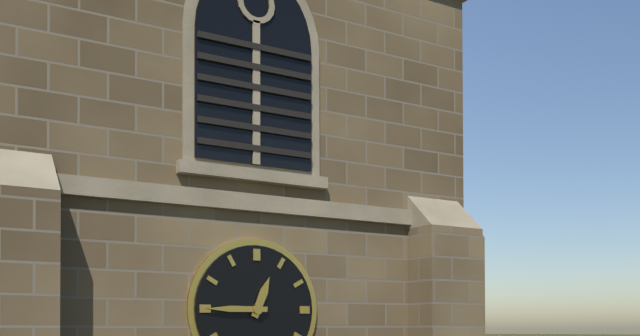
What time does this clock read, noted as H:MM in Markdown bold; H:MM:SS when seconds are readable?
**12:45**
